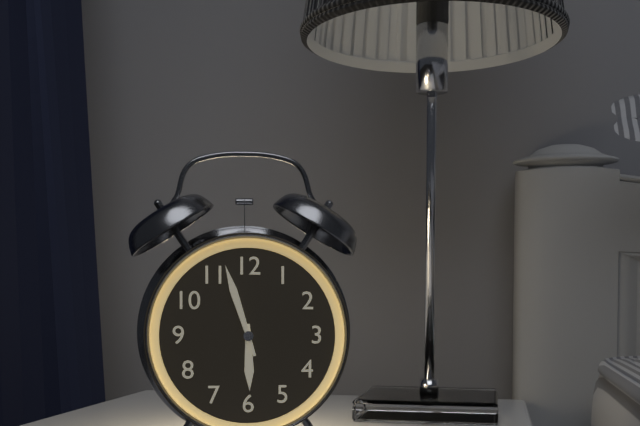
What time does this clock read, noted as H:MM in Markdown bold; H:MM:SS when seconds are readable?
**5:57**
